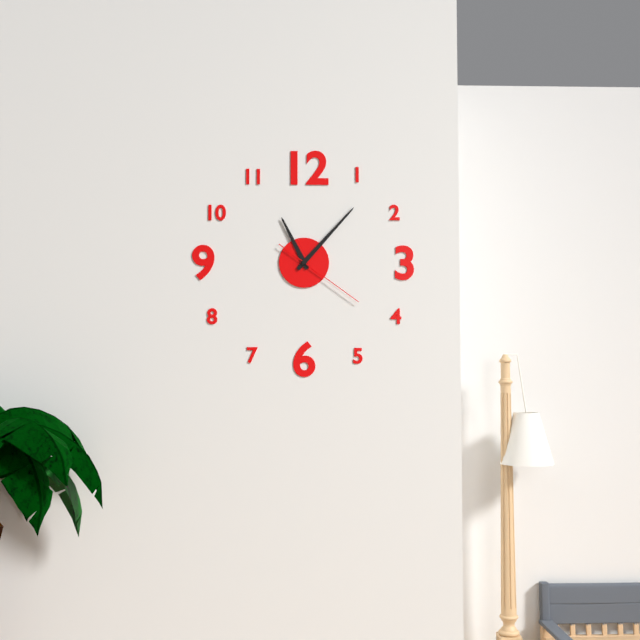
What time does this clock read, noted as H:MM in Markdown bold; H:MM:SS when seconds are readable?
**11:07:21**
